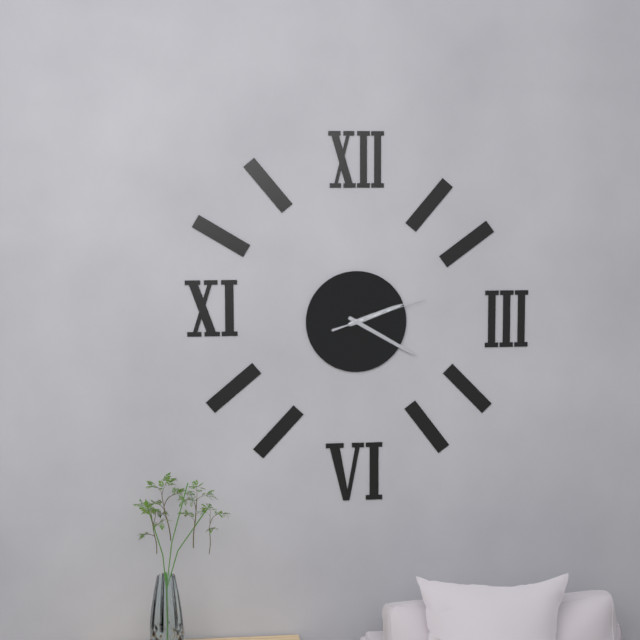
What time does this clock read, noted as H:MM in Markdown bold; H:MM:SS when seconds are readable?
**2:20:12**
